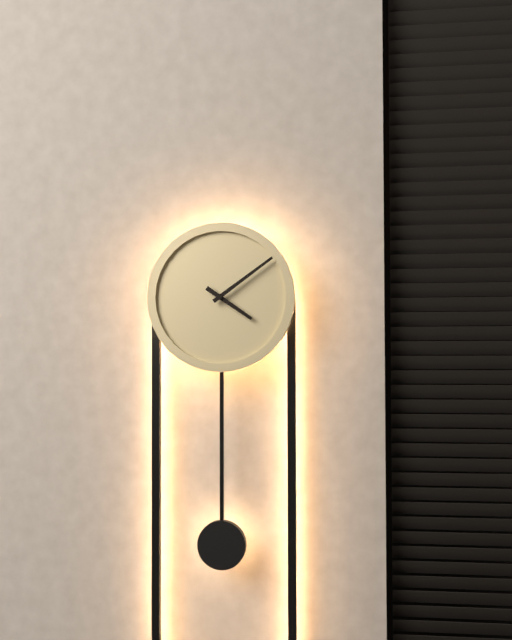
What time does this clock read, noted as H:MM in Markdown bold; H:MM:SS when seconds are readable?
**4:09**
